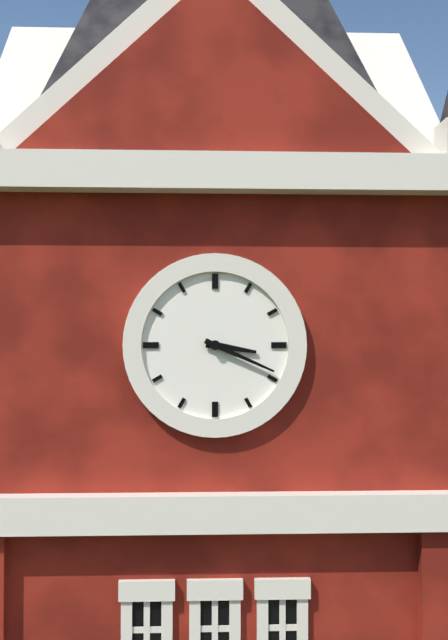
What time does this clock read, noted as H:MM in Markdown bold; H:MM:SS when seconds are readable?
**3:19**
